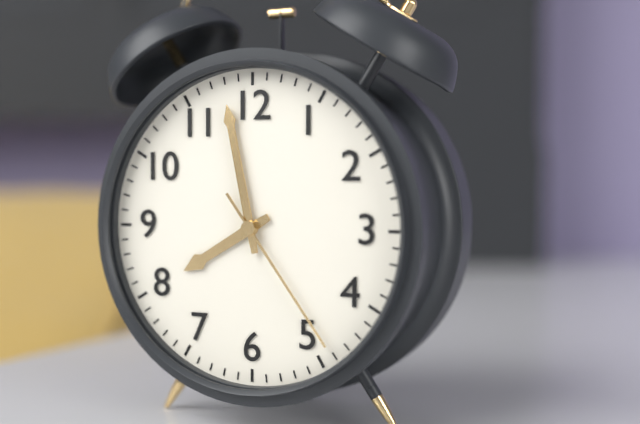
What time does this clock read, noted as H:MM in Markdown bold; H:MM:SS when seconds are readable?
**7:58:24**
